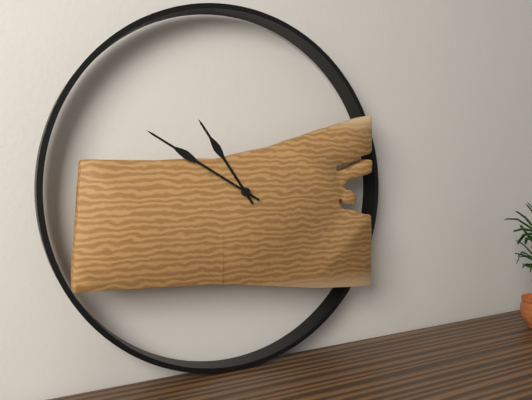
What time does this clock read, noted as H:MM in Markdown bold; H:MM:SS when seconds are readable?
**10:50**
